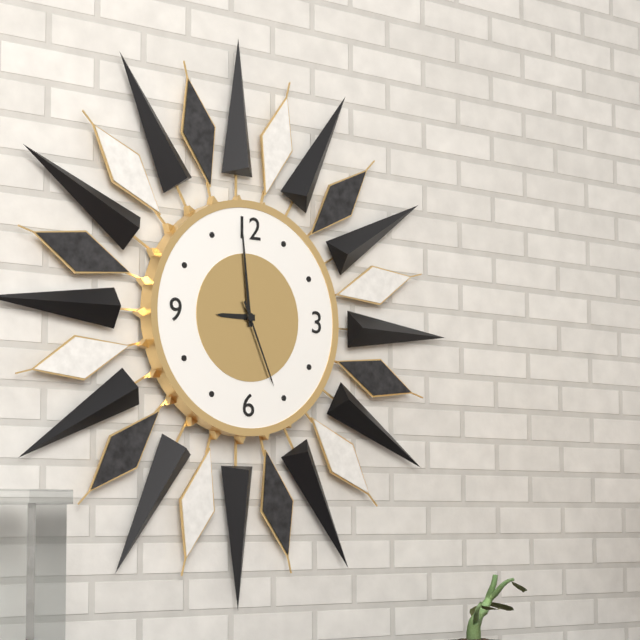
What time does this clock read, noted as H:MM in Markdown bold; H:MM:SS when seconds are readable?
**8:59:26**
